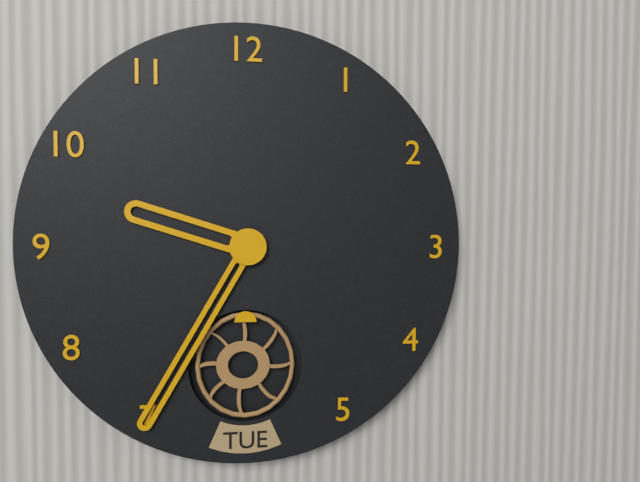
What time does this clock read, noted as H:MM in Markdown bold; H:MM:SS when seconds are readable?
**9:35**
